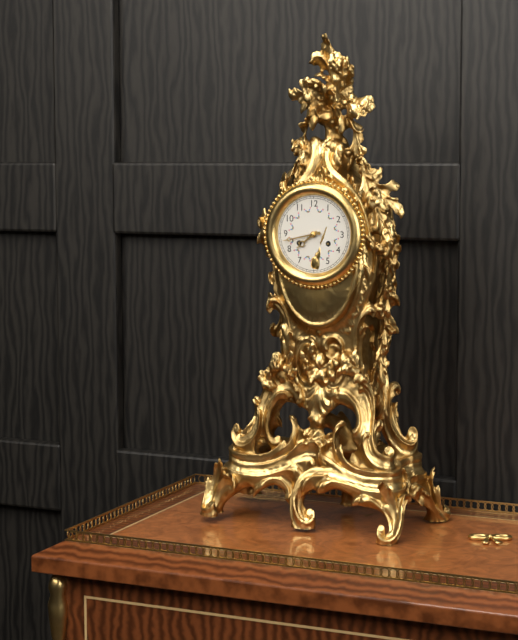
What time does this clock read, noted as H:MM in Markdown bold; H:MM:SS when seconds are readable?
**7:43**
